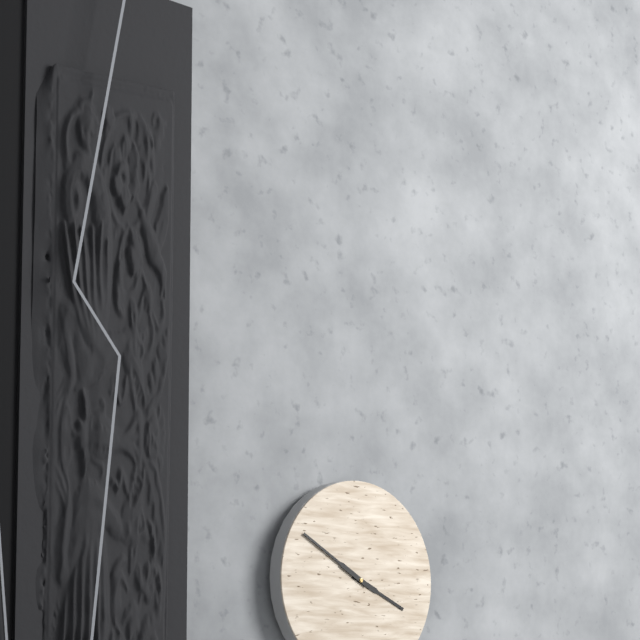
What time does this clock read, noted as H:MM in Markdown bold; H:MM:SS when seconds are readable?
**3:50**
